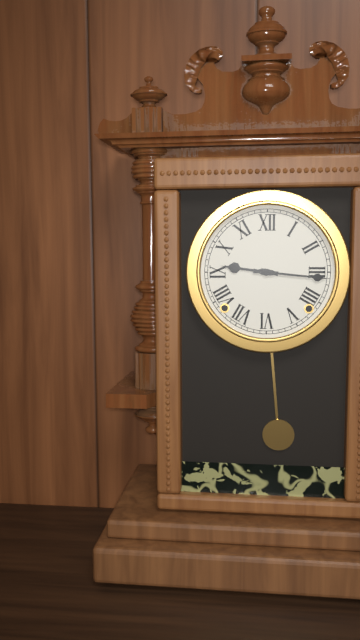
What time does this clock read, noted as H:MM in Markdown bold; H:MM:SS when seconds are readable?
**9:16**
